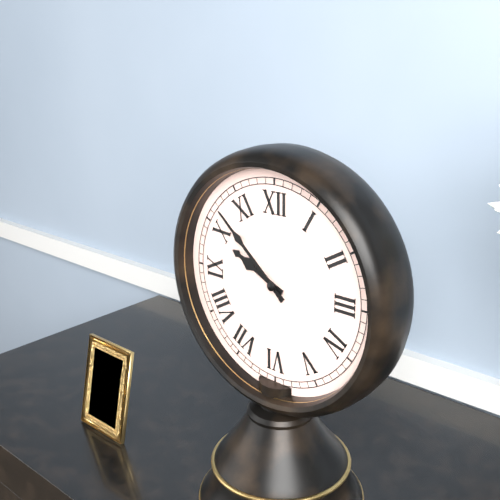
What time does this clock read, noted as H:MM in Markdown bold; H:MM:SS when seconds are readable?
**9:52**
